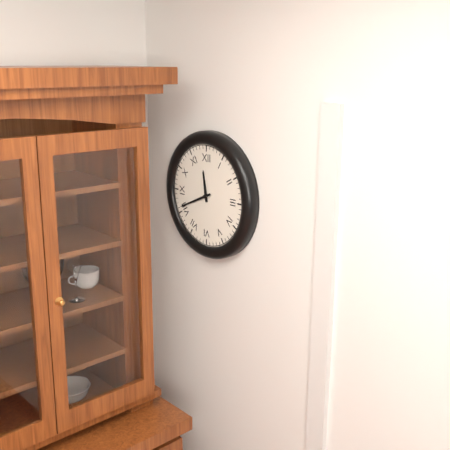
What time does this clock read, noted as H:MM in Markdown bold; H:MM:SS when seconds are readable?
**11:41**
